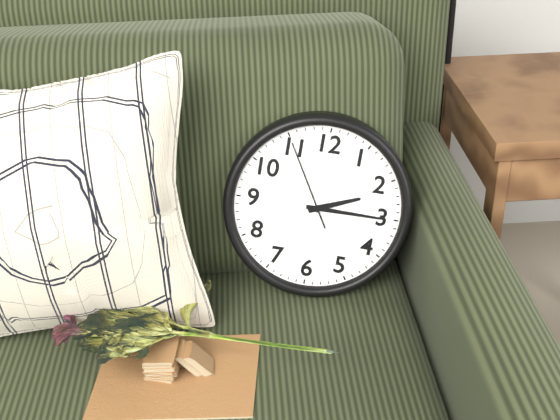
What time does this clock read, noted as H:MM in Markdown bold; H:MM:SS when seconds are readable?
**2:15:55**
